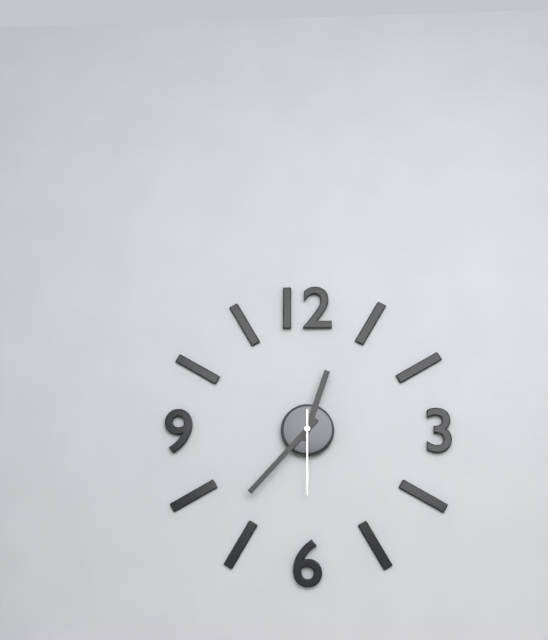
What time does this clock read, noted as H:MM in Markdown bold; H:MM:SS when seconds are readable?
**12:37:30**
